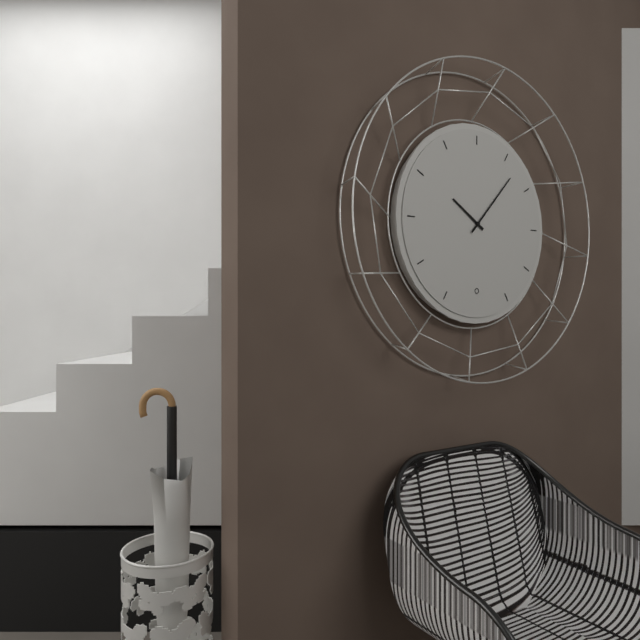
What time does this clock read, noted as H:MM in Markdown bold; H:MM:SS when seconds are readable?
**10:07**
